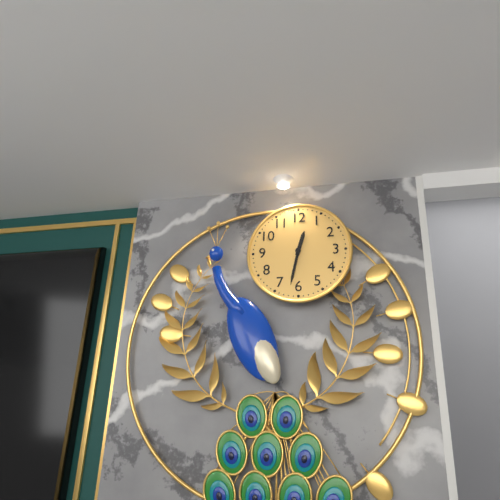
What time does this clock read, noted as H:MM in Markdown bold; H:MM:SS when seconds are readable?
**12:32**
